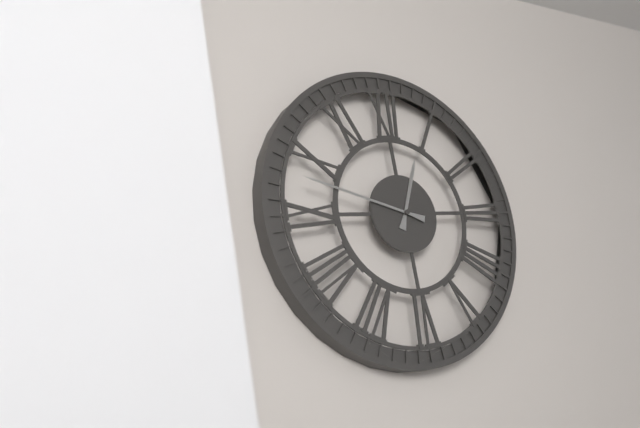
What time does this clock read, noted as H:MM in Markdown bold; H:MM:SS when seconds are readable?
**12:48**
